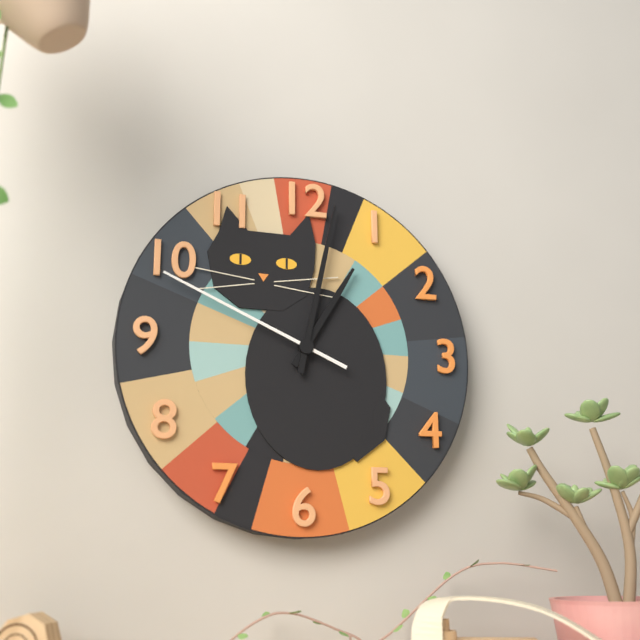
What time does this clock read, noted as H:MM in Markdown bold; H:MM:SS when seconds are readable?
**1:02:49**
